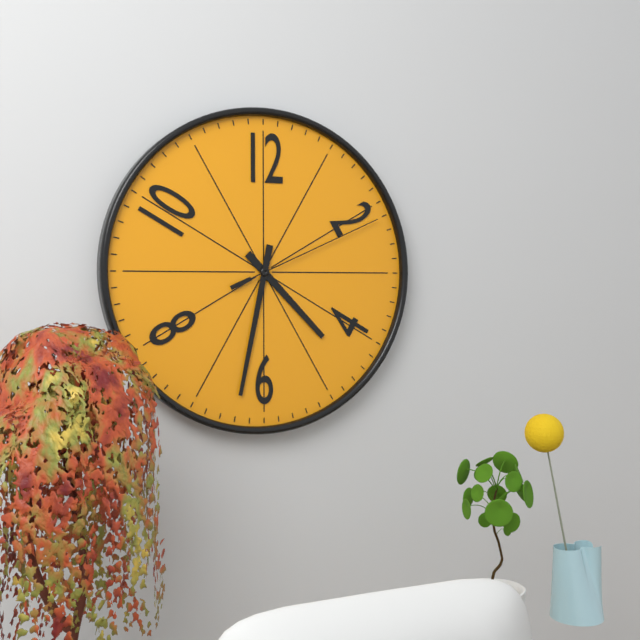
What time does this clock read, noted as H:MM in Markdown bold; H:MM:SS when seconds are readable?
**4:32:11**
